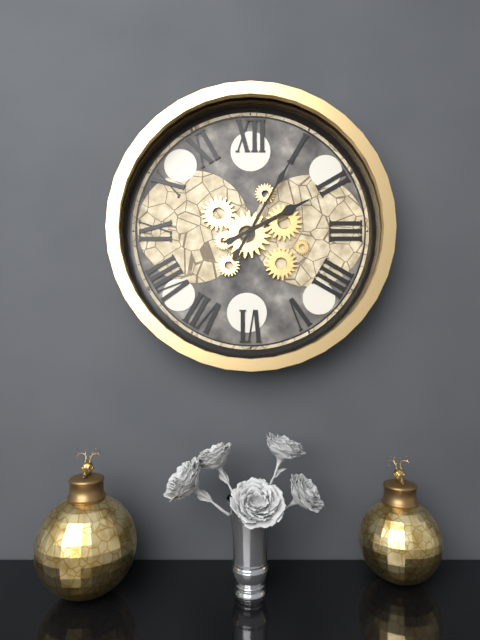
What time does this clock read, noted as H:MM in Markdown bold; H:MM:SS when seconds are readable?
**2:05**
